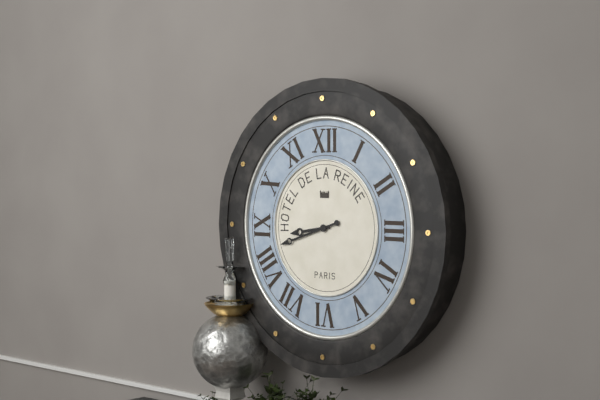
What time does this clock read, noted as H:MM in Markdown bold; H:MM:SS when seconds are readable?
**8:42**
